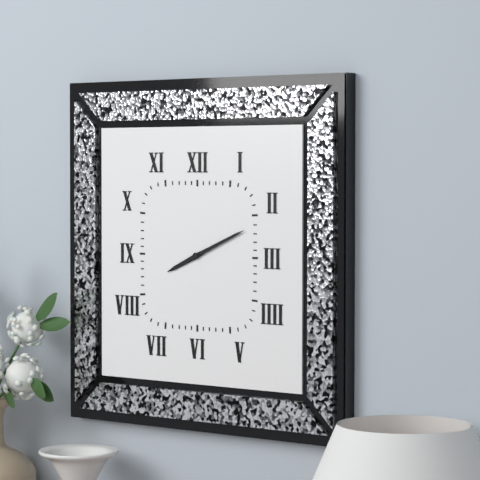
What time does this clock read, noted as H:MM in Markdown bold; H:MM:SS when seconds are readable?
**8:11**
